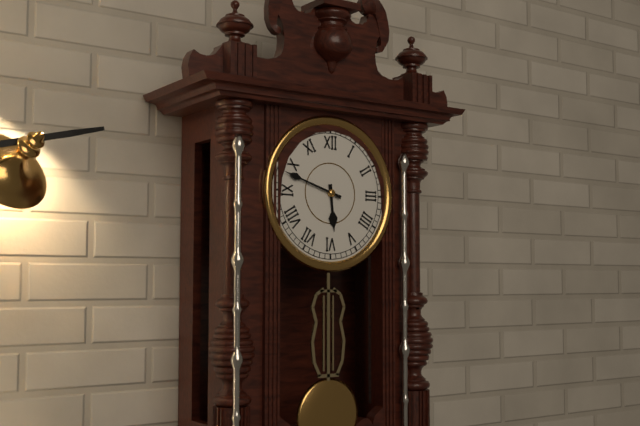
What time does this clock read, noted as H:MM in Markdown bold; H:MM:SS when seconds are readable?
**5:48**
